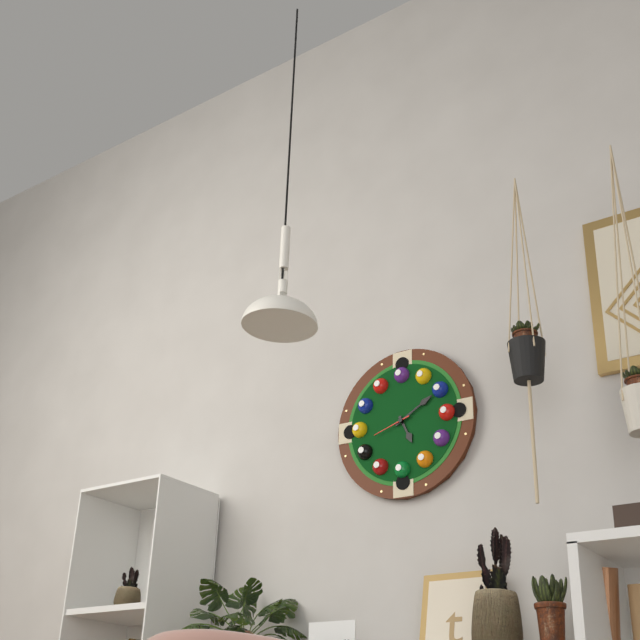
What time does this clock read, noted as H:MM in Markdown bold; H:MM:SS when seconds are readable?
**5:10**
